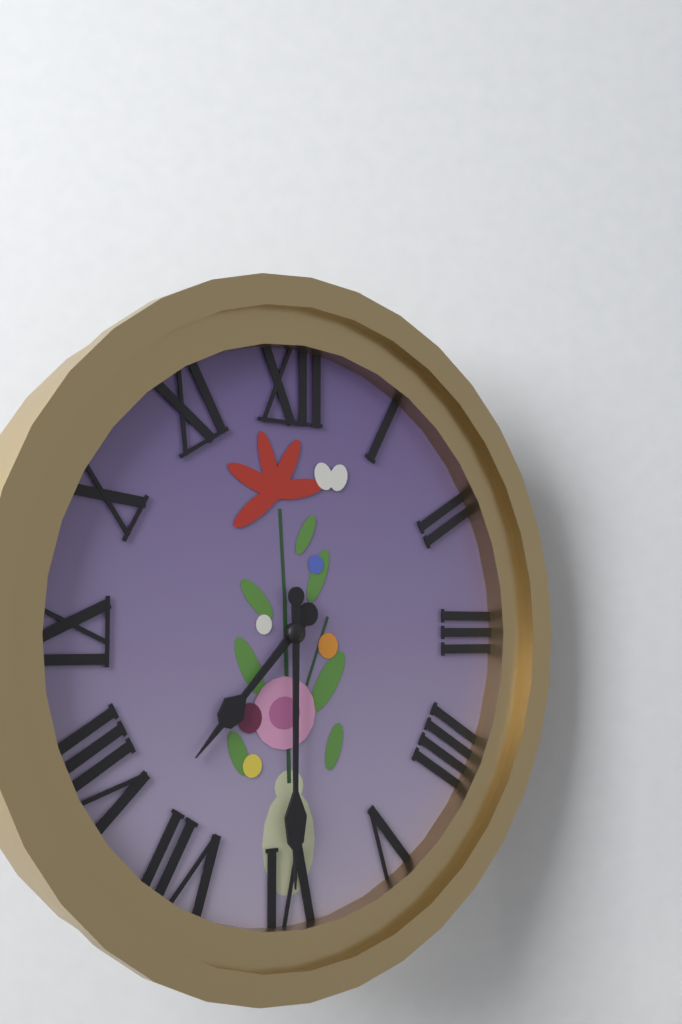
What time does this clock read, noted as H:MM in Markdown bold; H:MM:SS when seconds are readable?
**7:30**
